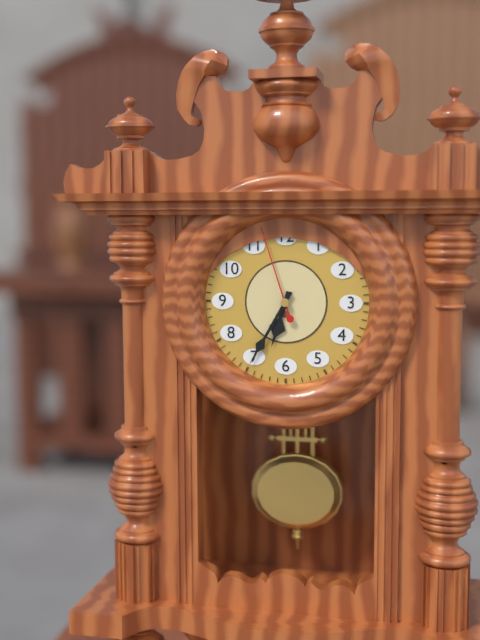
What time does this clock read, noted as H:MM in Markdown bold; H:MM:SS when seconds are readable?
**6:35:57**
